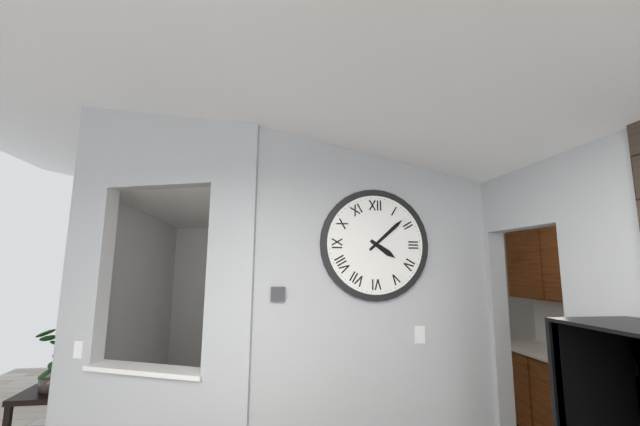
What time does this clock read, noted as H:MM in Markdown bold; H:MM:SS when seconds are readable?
**4:08**
